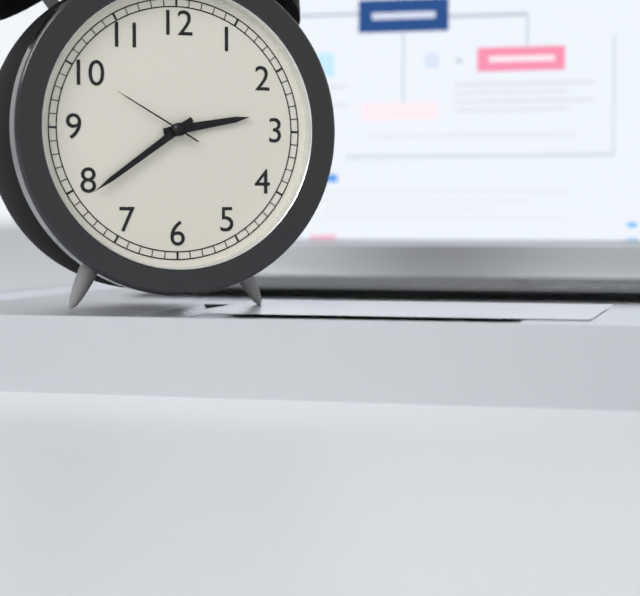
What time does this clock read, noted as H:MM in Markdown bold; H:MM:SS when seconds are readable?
**2:39:50**
